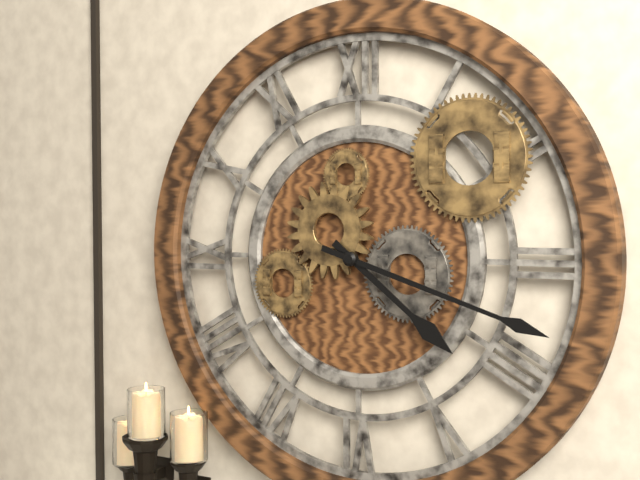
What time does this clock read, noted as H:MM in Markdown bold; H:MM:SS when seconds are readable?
**4:18**
